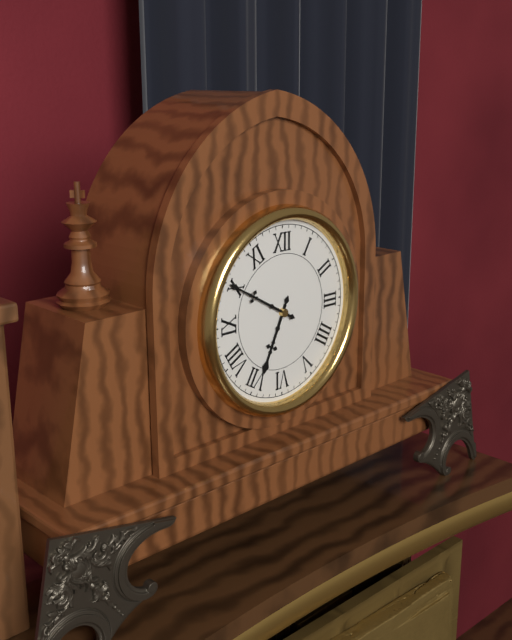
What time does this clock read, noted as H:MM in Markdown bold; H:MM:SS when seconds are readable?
**6:50**
